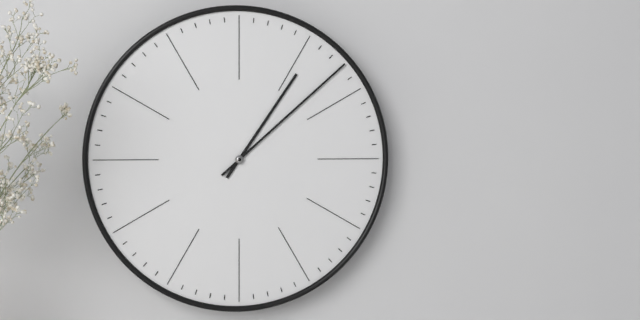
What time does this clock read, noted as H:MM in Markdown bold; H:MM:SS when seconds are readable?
**1:08**
